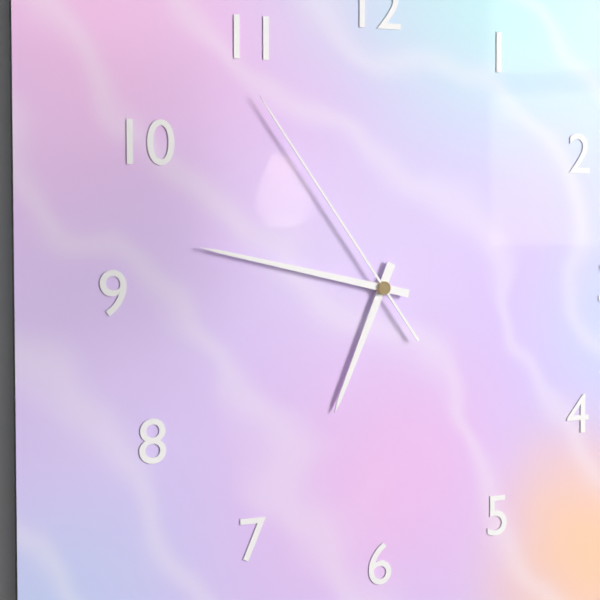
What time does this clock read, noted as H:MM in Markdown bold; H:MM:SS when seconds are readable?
**6:47:54**
